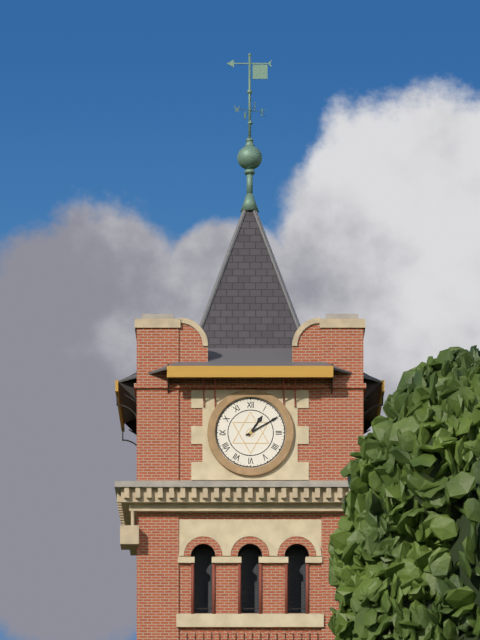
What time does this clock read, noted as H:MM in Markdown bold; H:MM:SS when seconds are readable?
**1:10**
